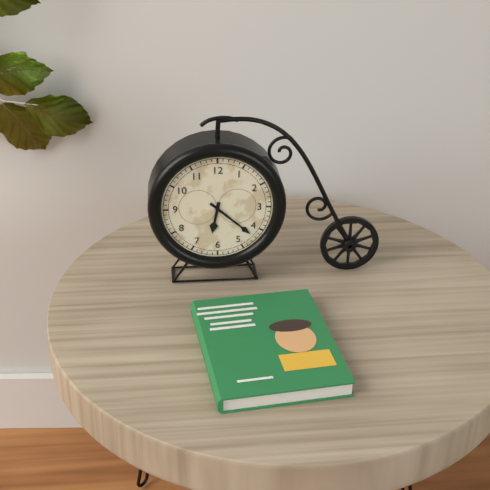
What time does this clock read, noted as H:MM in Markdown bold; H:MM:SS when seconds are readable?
**6:22**
